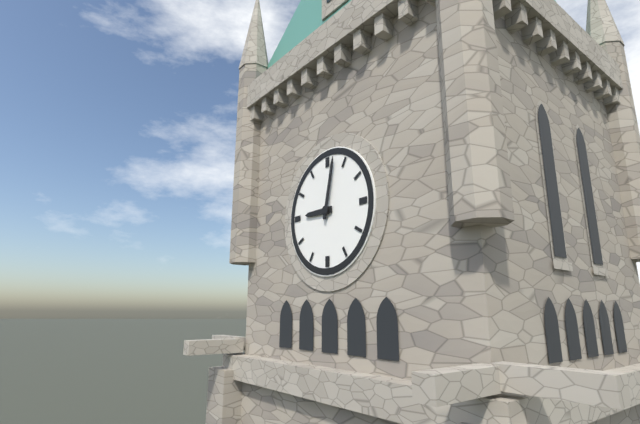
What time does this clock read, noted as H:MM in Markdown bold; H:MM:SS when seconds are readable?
**9:02**
